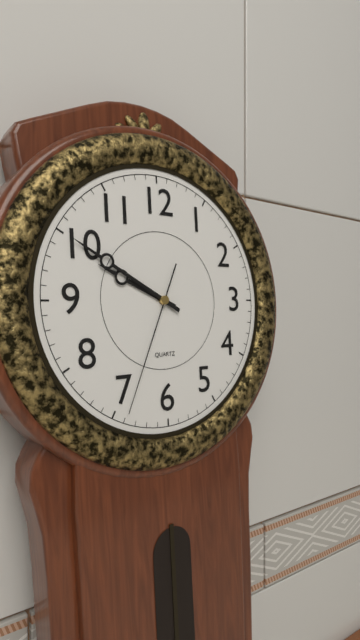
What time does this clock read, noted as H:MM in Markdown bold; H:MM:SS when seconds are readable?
**9:50:34**
